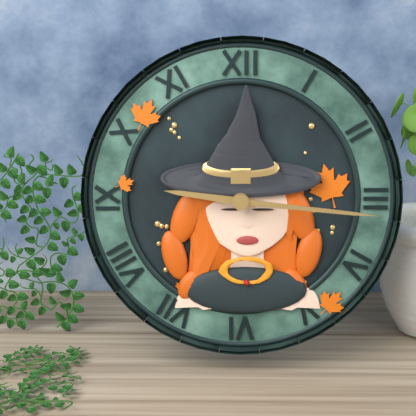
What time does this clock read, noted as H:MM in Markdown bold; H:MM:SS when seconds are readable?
**9:16**
